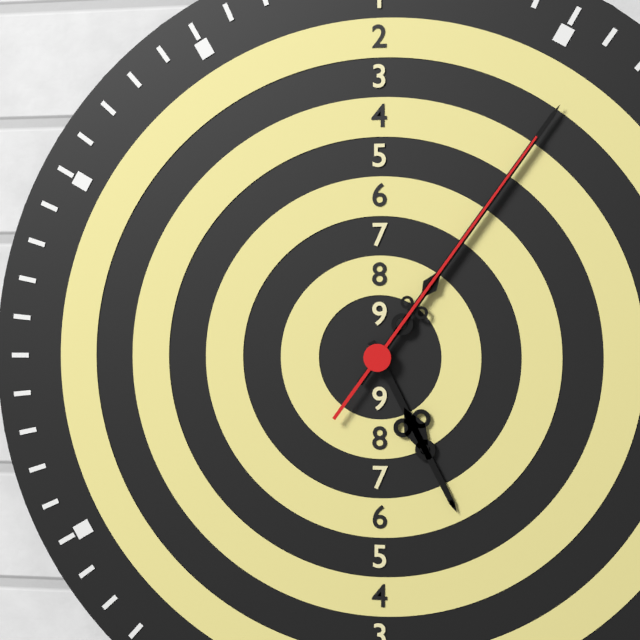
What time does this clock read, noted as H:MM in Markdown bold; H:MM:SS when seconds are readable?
**5:06:06**
